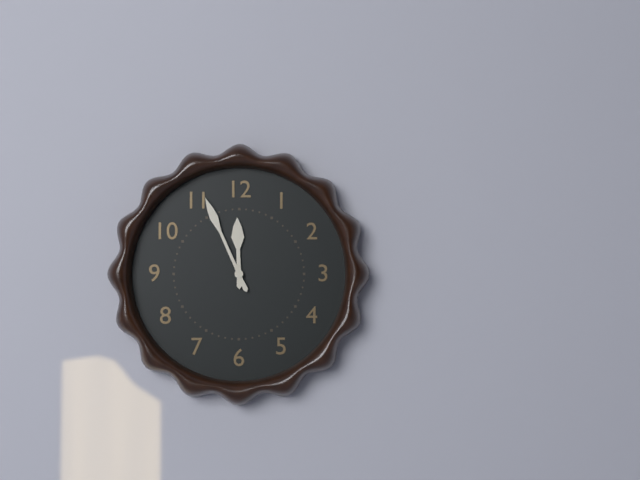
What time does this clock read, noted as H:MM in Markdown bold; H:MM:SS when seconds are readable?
**11:56**
